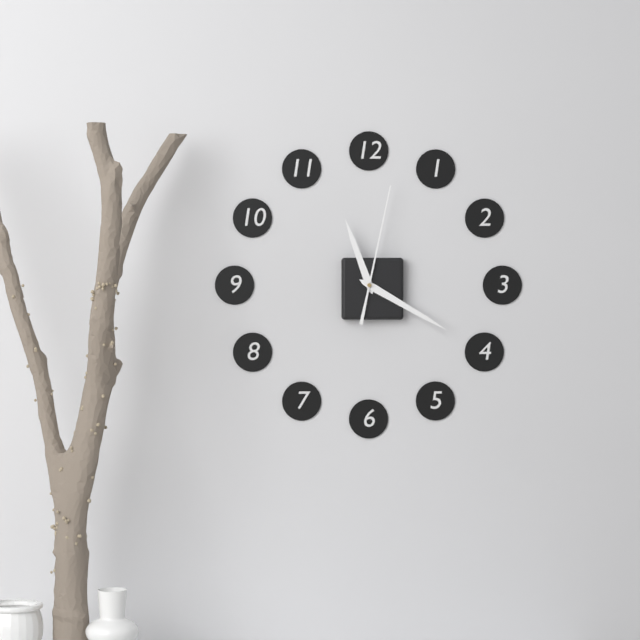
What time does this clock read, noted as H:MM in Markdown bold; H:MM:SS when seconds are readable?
**11:20:02**
